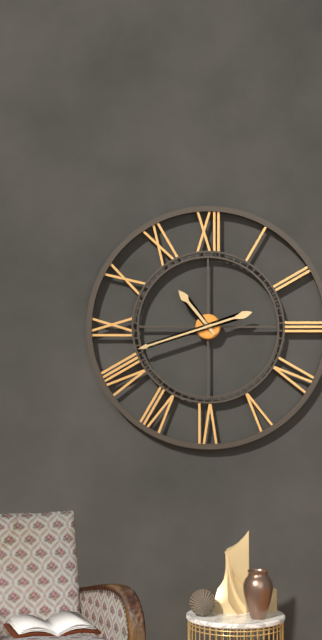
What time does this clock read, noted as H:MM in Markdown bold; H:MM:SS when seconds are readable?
**10:42**
